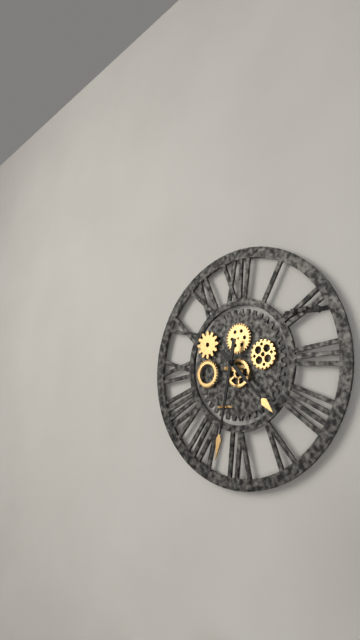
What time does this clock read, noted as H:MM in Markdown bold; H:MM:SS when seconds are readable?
**4:32**
